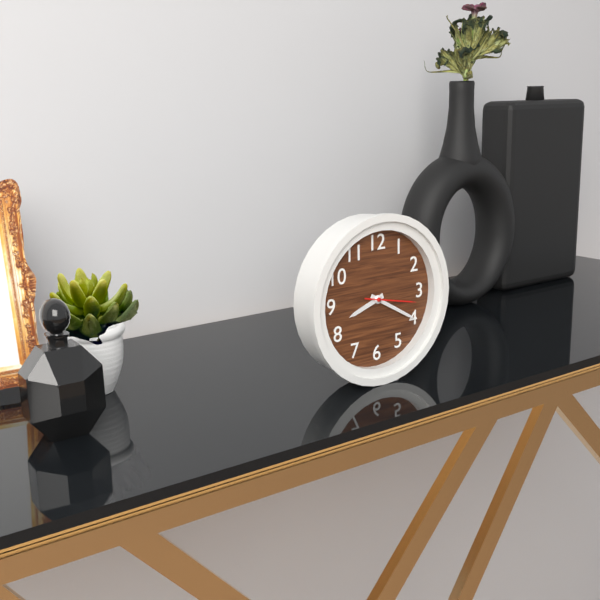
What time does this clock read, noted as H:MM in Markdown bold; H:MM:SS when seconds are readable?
**8:20**
